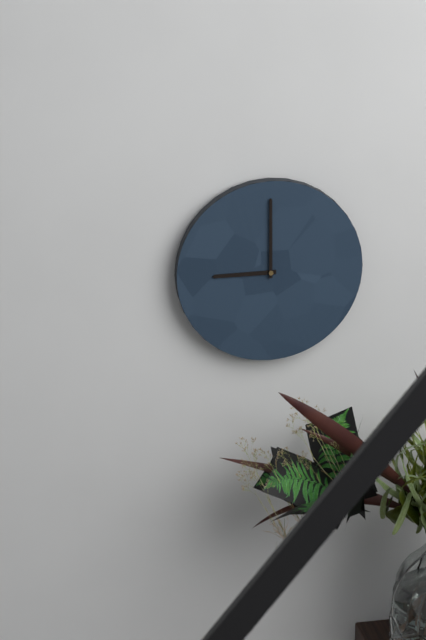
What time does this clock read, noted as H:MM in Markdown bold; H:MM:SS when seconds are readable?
**9:00**
